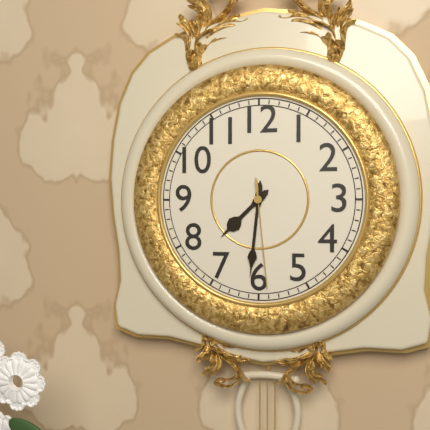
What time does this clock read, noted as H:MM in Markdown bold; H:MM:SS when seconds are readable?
**7:31:29**
